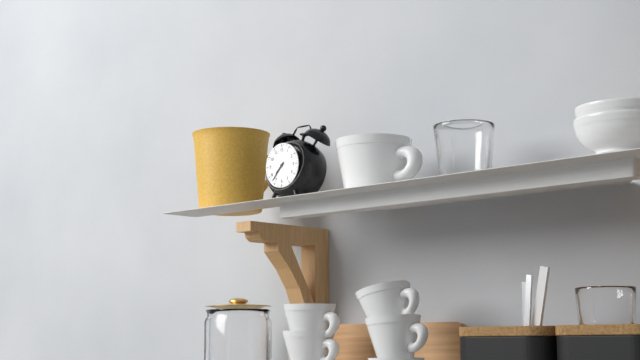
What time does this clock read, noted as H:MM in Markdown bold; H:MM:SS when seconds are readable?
**7:37**
